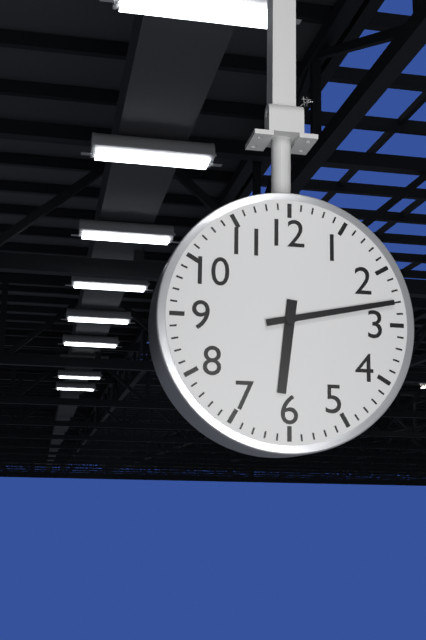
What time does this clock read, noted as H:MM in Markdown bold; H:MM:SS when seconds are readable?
**6:13**
